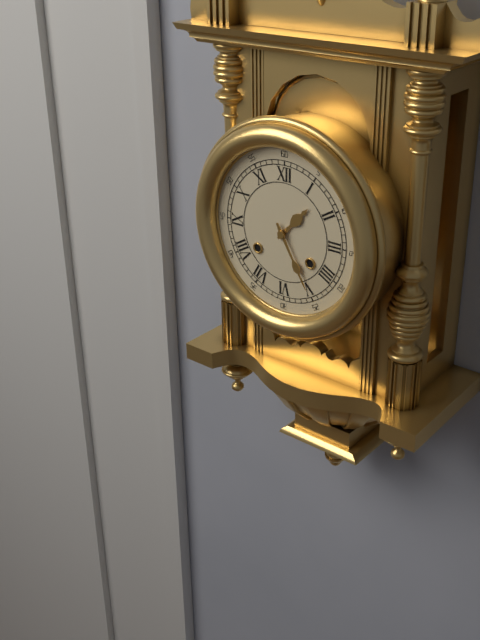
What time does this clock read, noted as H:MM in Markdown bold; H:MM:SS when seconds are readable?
**1:25**
